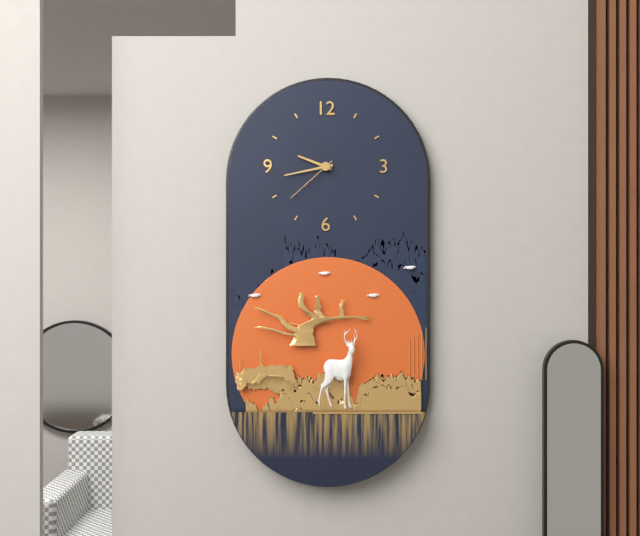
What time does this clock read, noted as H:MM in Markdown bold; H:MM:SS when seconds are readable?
**9:43:38**
